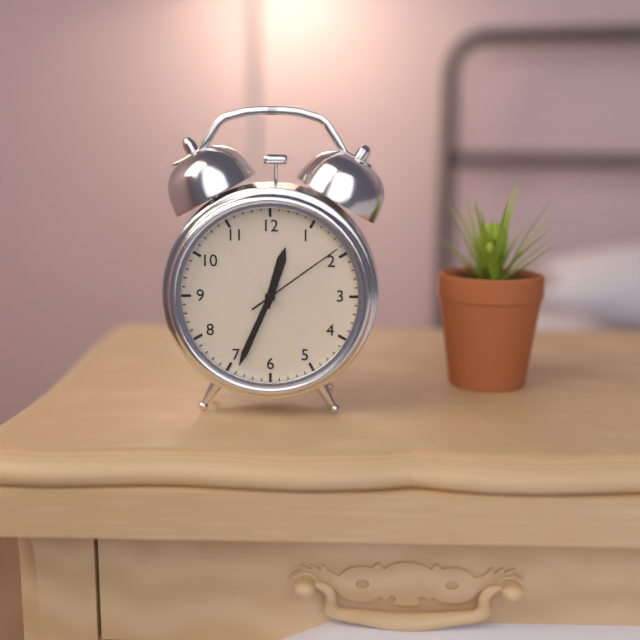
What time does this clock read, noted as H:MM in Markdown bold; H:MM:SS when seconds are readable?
**12:34:09**
